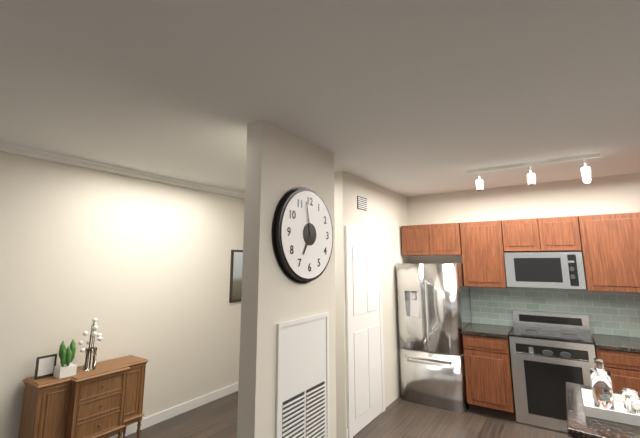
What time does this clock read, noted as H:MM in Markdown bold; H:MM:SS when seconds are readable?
**6:58**
